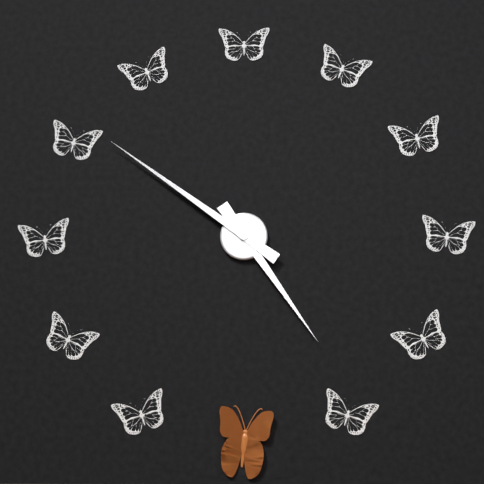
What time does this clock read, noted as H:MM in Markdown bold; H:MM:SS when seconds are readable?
**4:51**
